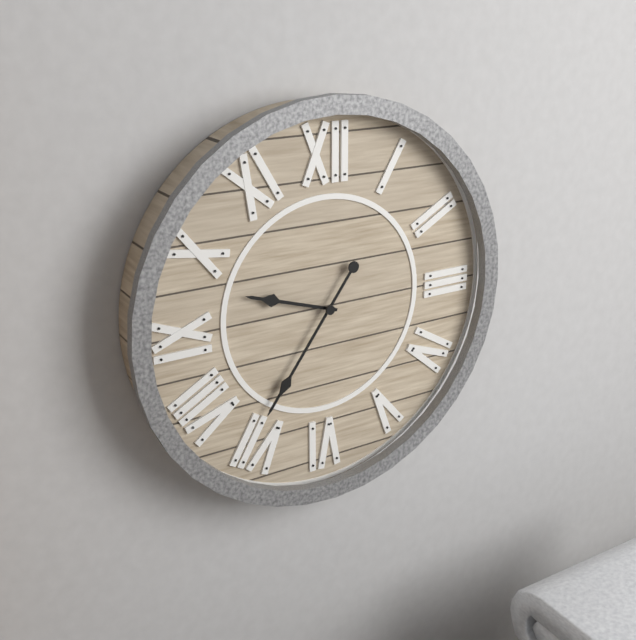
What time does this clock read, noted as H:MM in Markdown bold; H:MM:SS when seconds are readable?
**9:36**
